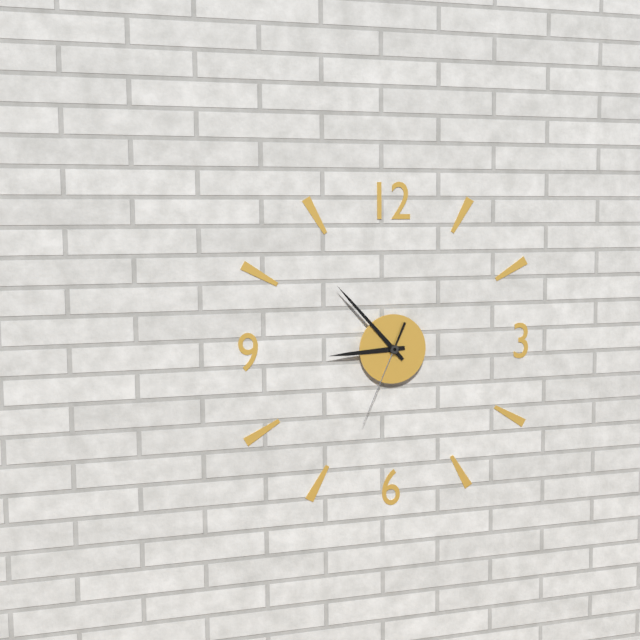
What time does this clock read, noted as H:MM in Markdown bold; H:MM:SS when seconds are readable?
**8:53:34**
